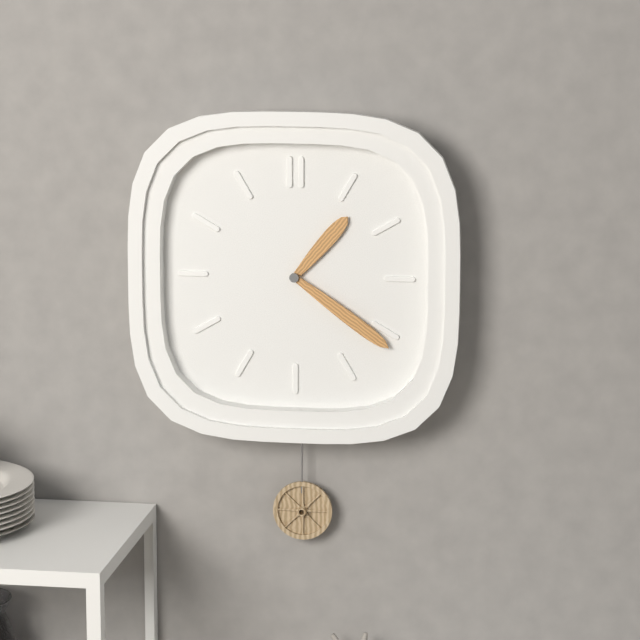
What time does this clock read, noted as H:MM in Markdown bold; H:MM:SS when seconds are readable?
**1:21**
